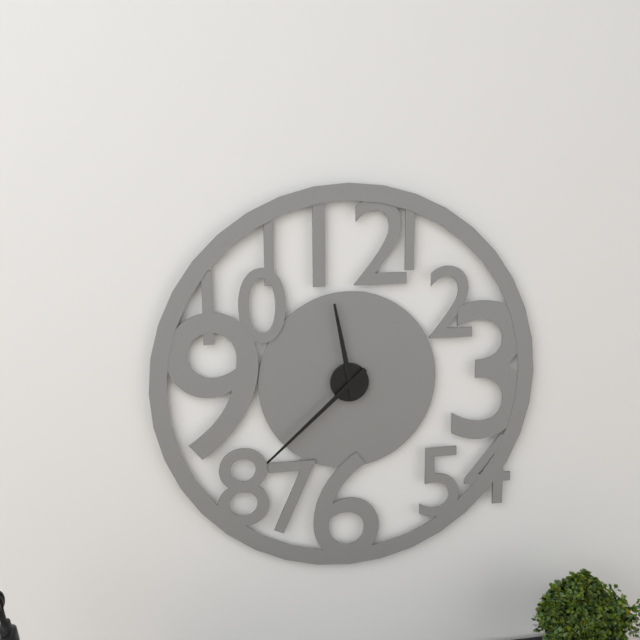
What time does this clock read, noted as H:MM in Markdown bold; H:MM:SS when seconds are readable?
**11:38**
